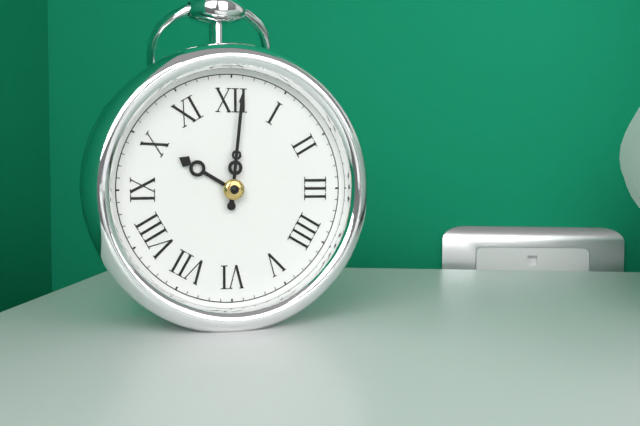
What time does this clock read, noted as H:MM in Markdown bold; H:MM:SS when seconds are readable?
**10:01**
